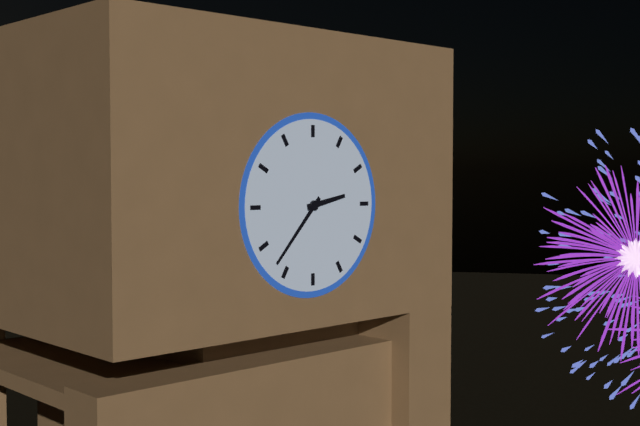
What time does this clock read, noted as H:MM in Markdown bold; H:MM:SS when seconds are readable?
**2:37**
